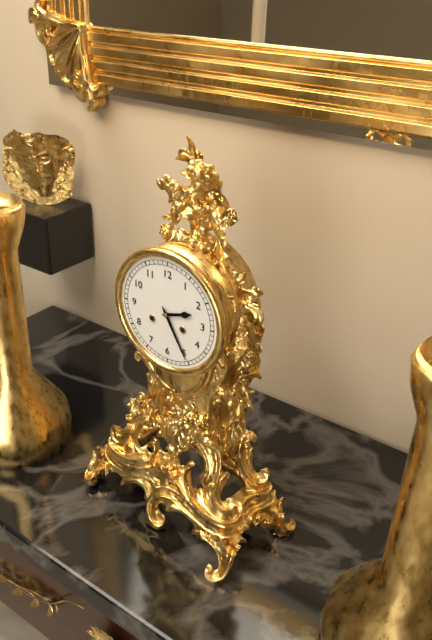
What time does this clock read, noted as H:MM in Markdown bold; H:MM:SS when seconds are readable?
**2:25**
